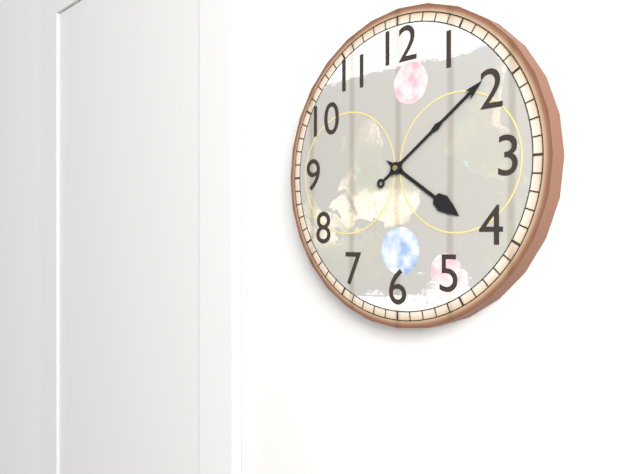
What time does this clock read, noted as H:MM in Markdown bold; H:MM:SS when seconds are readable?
**4:09**
